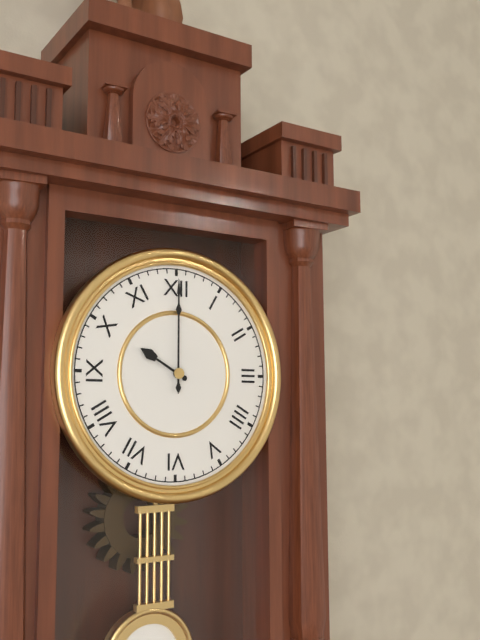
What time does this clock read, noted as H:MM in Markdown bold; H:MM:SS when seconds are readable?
**10:00**
